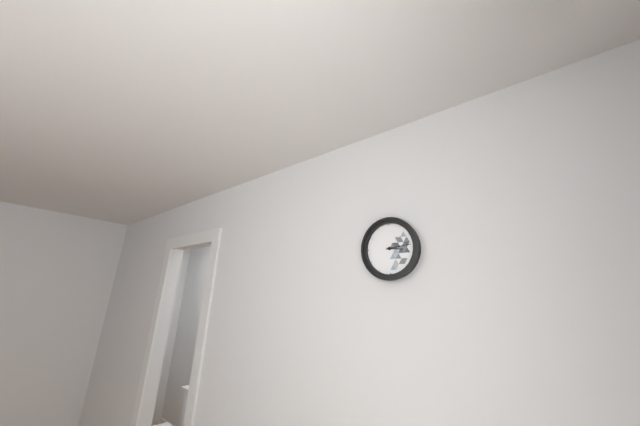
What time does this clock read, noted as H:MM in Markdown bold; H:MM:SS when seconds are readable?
**3:14**
